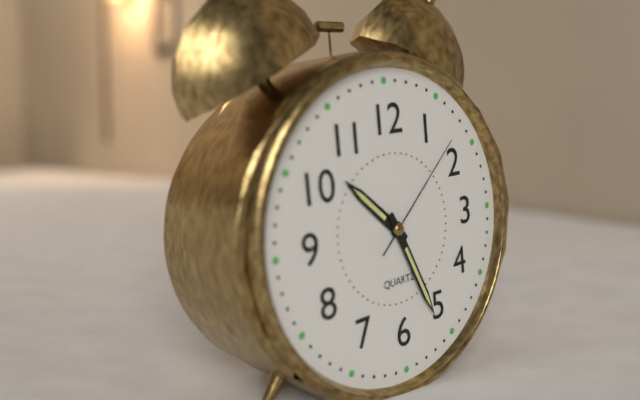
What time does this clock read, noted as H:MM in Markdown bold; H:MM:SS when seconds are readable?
**10:26:08**
